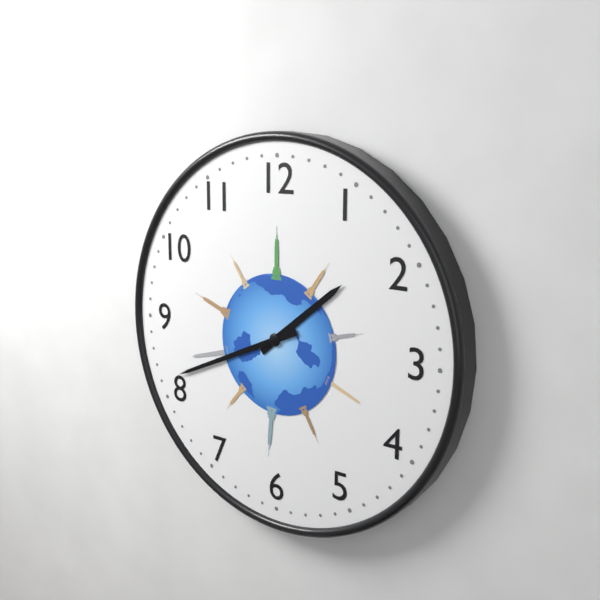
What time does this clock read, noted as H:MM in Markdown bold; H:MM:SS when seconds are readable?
**1:41**
